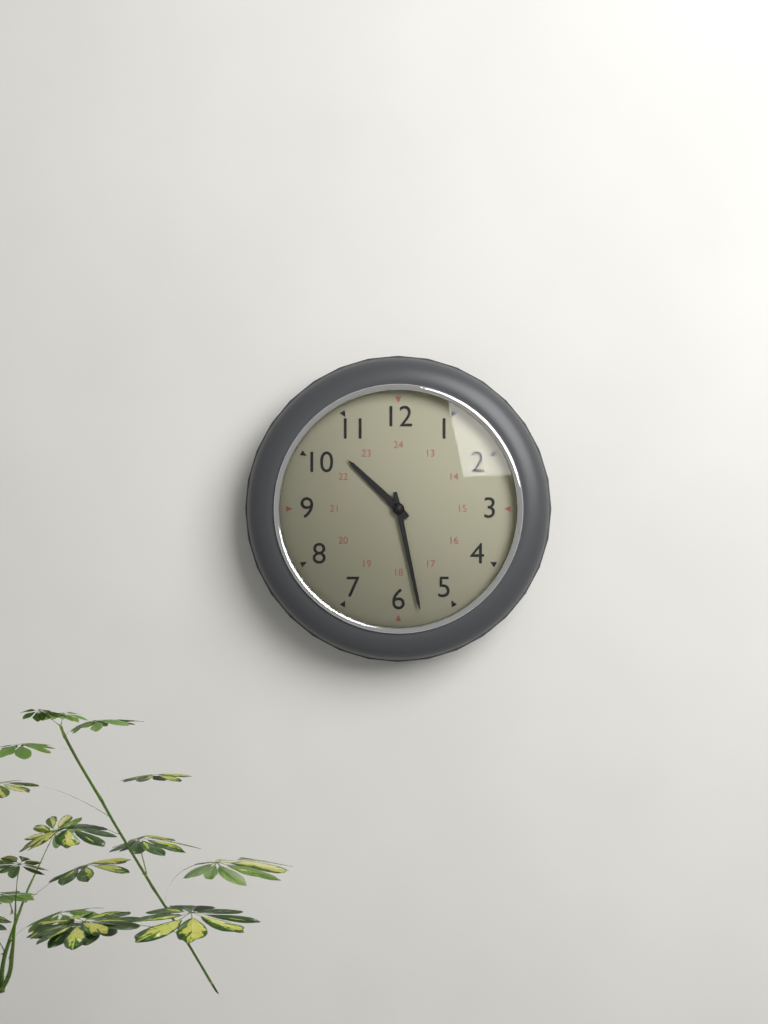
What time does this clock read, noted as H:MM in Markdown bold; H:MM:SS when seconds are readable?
**10:28**
